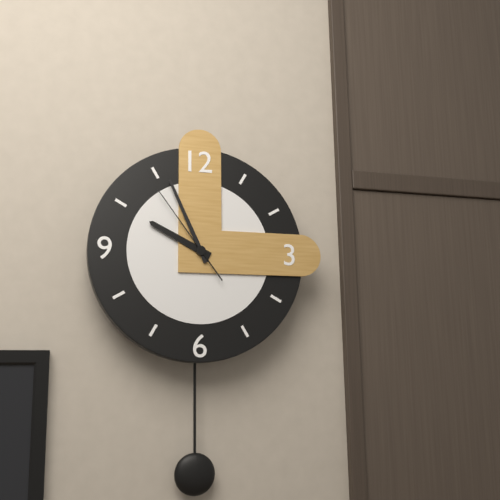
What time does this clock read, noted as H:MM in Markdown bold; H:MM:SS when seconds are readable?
**9:56:54**
